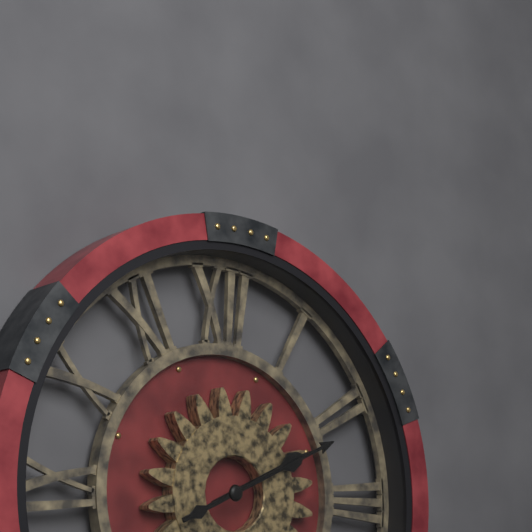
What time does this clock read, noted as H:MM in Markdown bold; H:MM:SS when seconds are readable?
**2:11**
